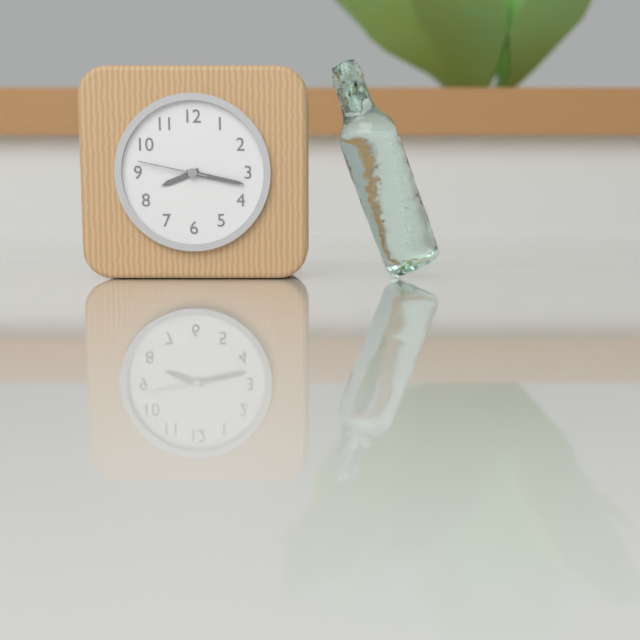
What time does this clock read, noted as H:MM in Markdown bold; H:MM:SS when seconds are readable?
**8:17:47**
